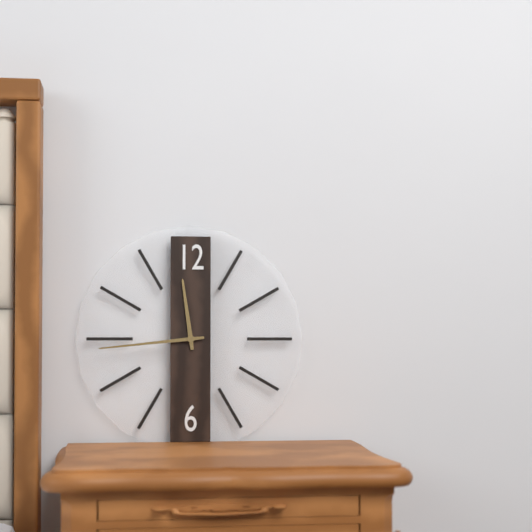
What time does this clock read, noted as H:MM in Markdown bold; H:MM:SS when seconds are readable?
**11:44**
